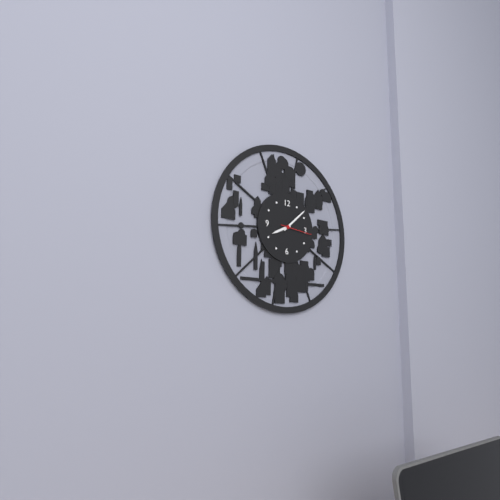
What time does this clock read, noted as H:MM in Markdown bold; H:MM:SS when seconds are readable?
**8:08**
